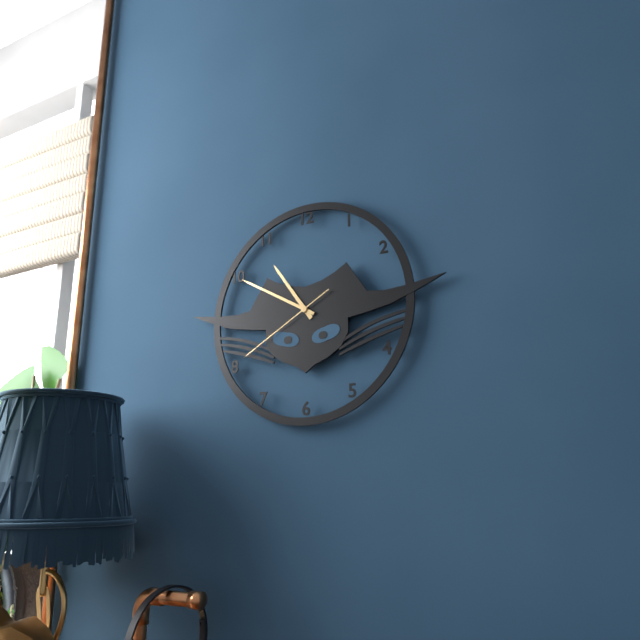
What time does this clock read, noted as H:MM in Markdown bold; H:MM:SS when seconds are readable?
**10:50:40**
